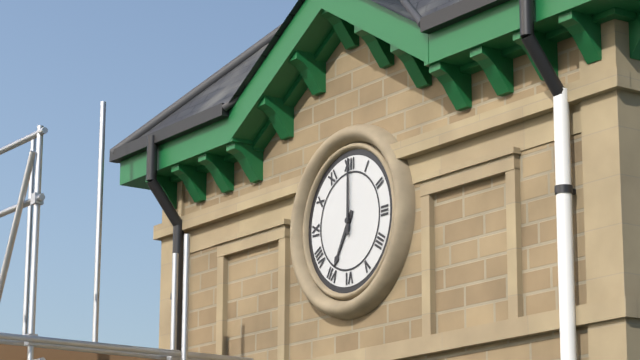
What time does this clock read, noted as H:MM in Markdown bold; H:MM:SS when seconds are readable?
**7:00**
